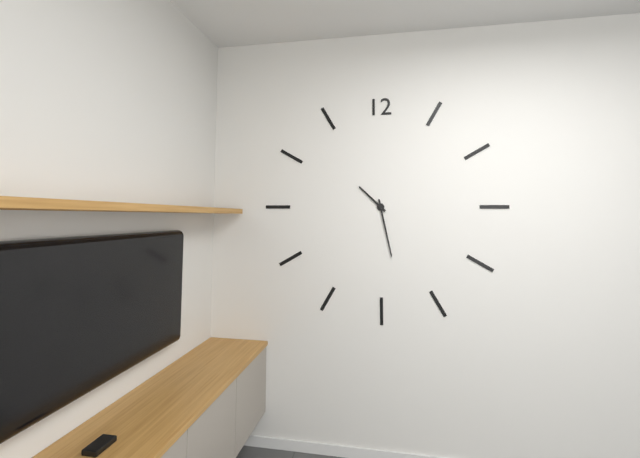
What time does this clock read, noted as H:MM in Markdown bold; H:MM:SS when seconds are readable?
**10:28**
